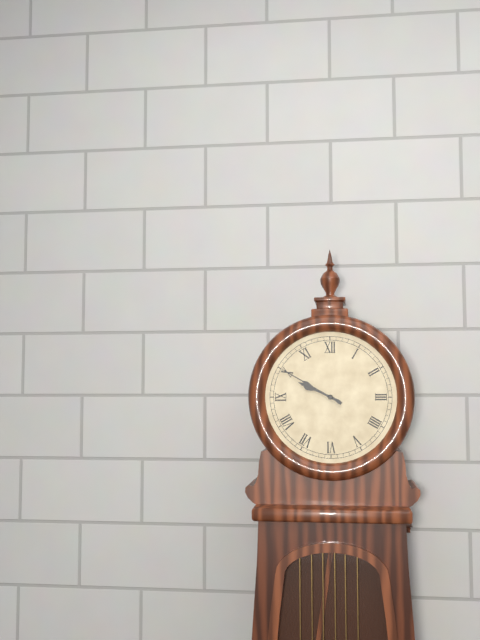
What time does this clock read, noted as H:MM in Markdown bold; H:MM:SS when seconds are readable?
**9:50**
